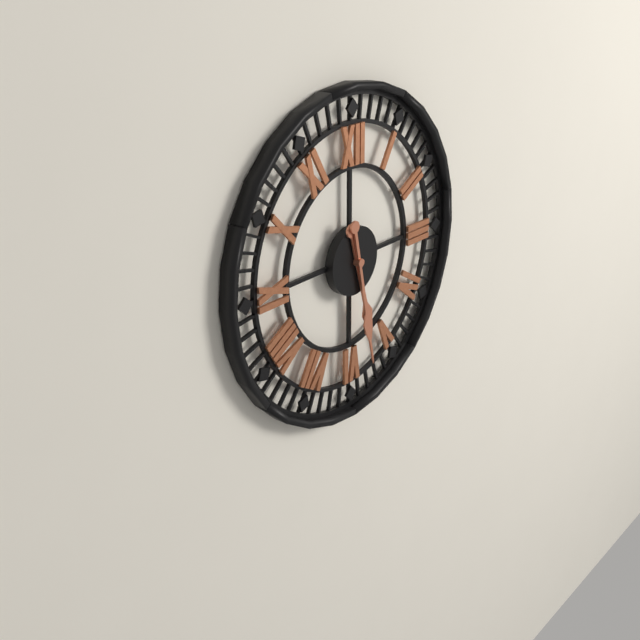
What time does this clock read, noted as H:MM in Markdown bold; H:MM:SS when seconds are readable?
**5:28**
